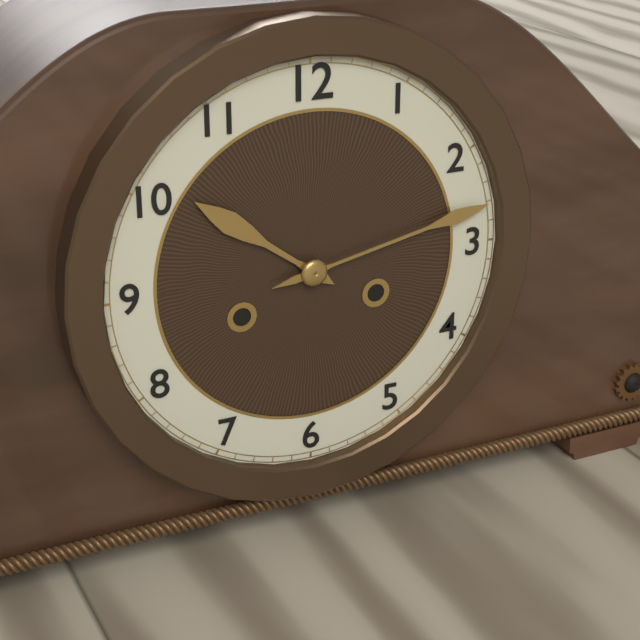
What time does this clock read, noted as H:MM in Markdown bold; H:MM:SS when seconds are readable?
**10:13**
